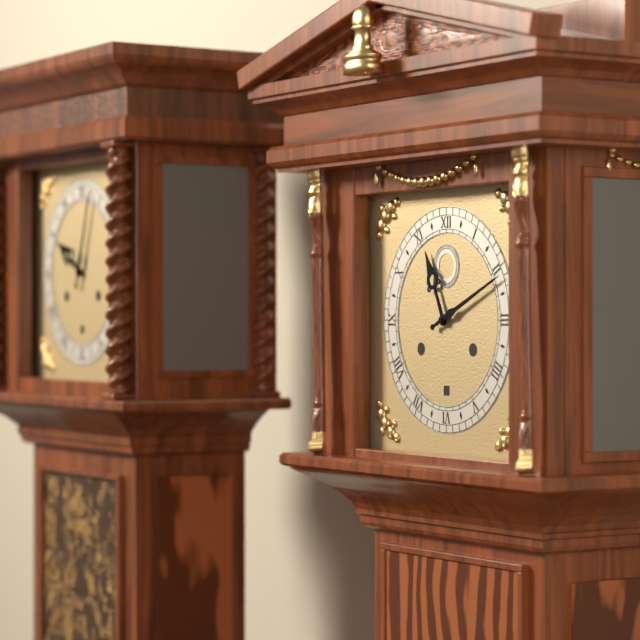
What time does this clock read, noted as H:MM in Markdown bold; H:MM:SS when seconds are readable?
**11:11**
